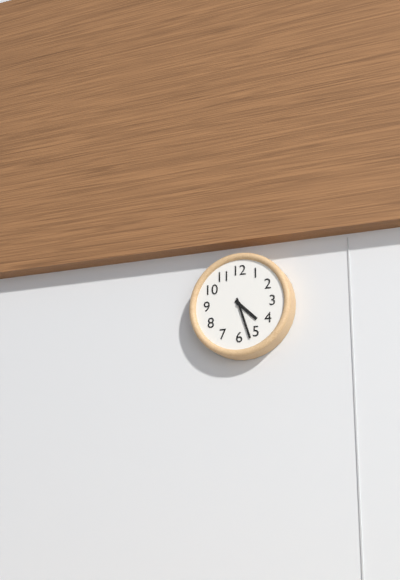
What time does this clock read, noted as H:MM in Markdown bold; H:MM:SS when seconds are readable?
**4:27**
